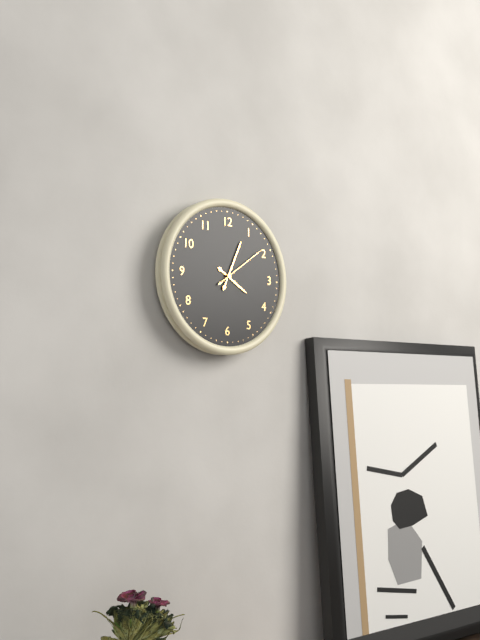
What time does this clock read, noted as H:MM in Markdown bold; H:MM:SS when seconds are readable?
**4:04:09**
